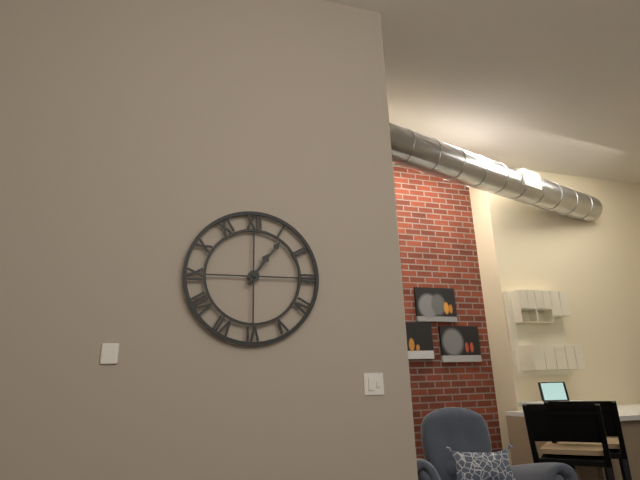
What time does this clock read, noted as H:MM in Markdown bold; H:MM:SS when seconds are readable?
**1:06**
